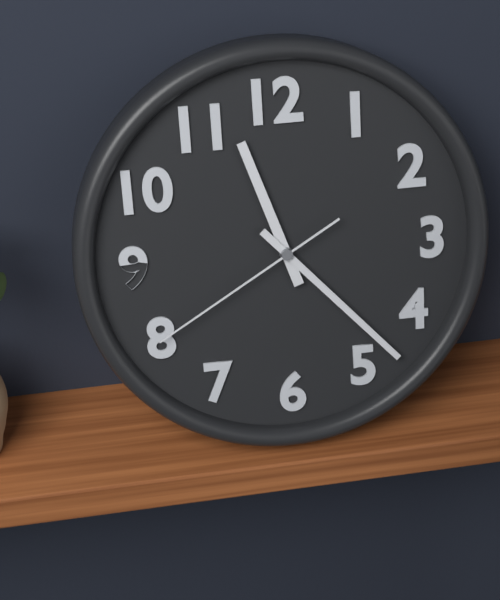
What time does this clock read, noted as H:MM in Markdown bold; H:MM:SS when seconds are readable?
**11:23:40**
